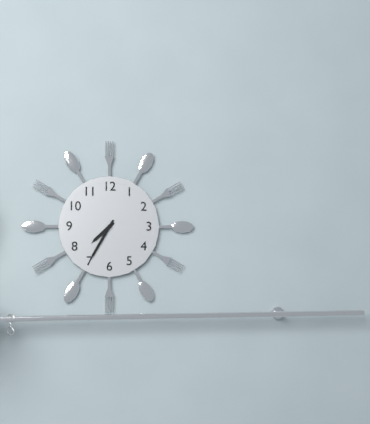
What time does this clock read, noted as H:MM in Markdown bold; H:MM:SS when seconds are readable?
**7:35**
